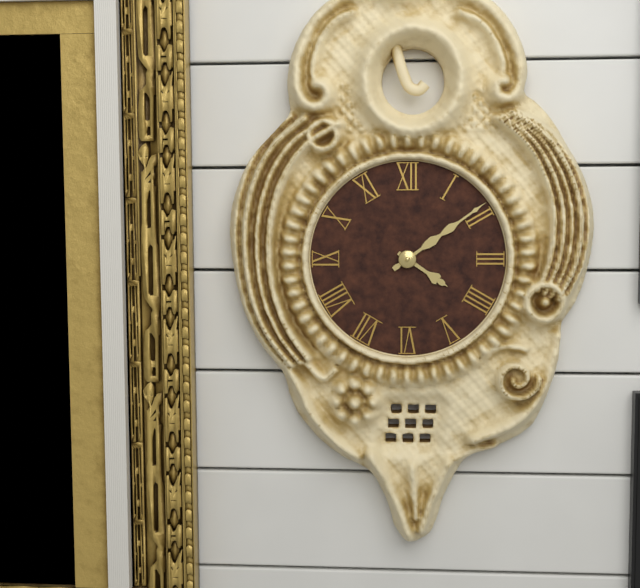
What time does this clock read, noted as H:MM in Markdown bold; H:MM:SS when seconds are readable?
**4:09**
